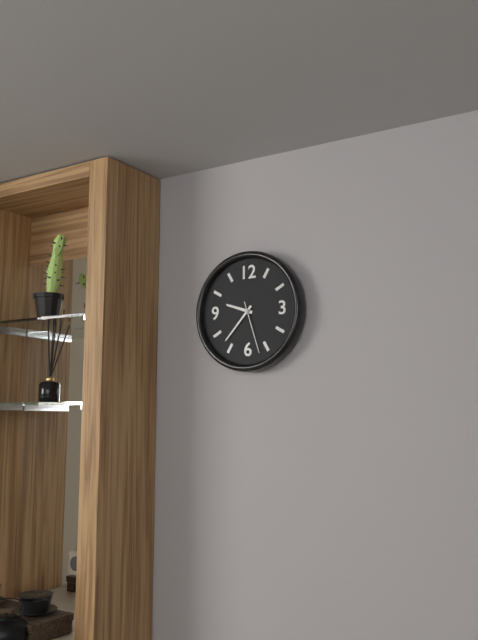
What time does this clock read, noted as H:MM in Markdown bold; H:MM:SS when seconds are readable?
**9:37:27**
